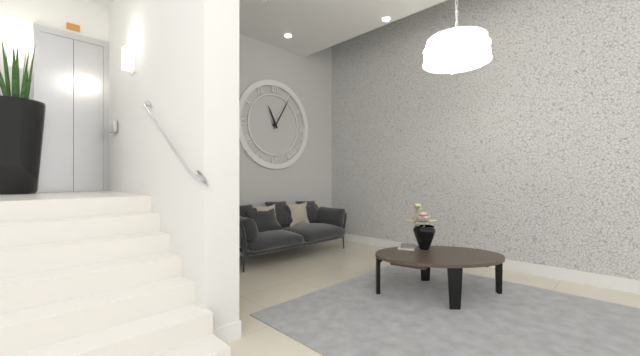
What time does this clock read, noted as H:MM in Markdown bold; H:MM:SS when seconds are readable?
**11:05**
